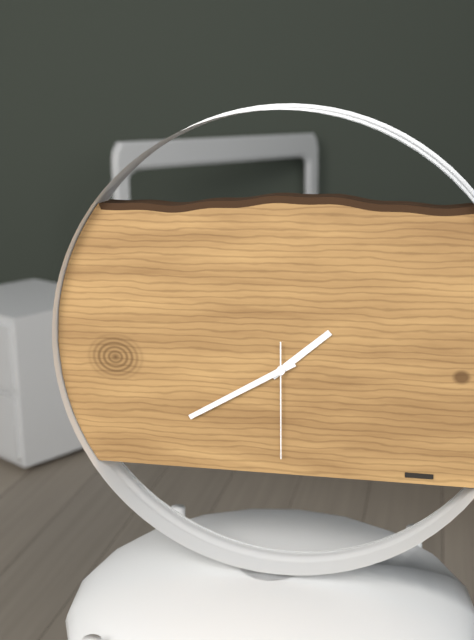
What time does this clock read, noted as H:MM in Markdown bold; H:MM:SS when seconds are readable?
**1:40:30**
